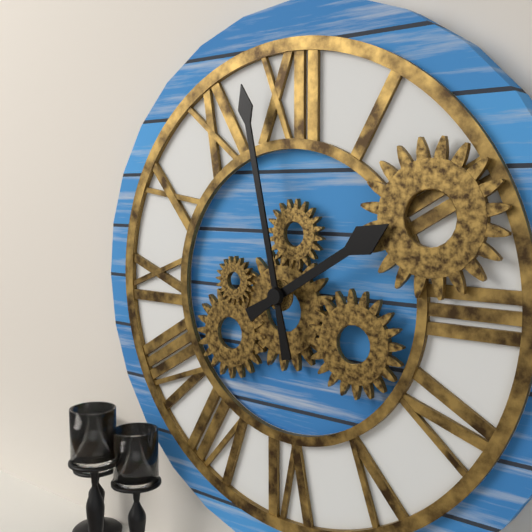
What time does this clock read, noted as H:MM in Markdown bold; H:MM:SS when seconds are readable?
**1:58**
